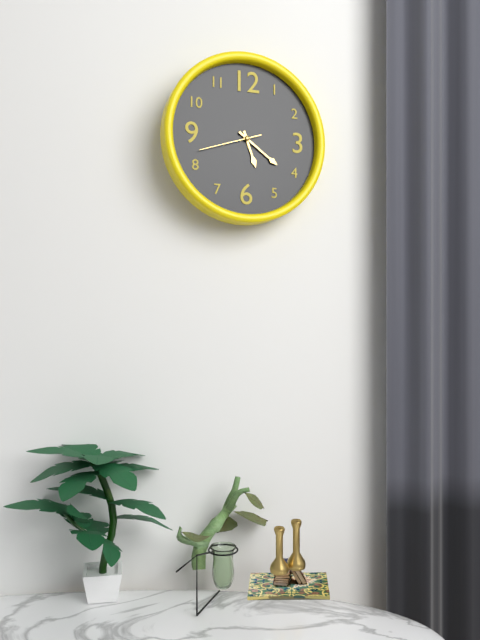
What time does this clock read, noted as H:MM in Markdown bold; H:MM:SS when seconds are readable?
**5:21:42**
